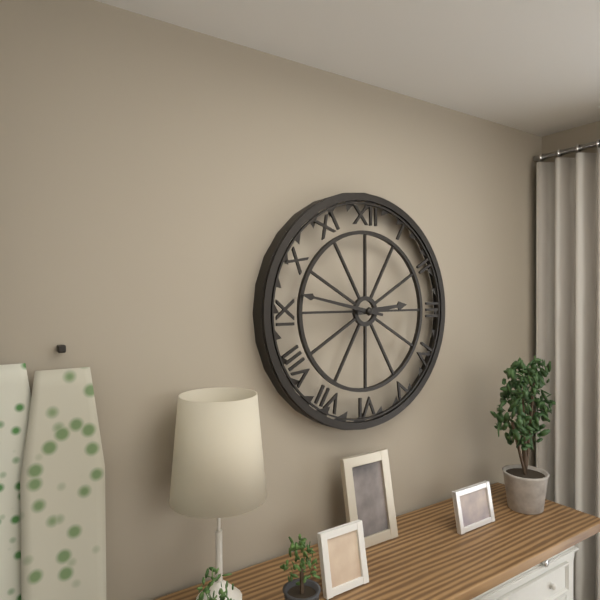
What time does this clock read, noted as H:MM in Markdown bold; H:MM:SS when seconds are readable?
**2:47**
